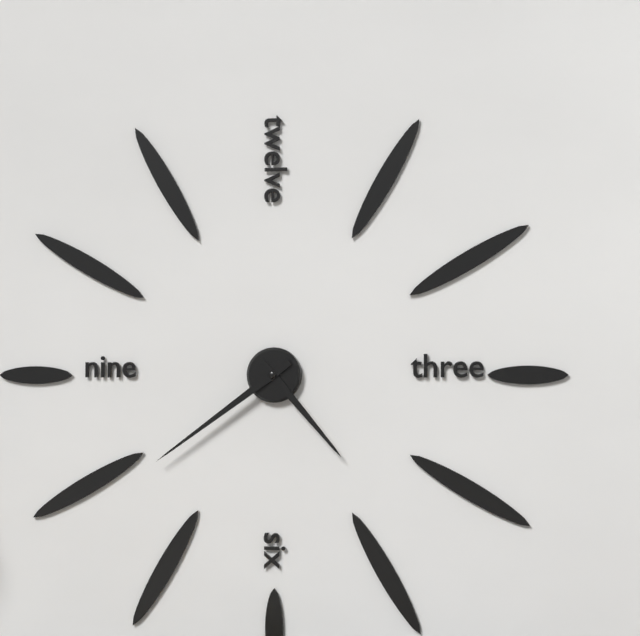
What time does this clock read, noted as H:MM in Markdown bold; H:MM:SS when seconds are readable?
**4:39**
